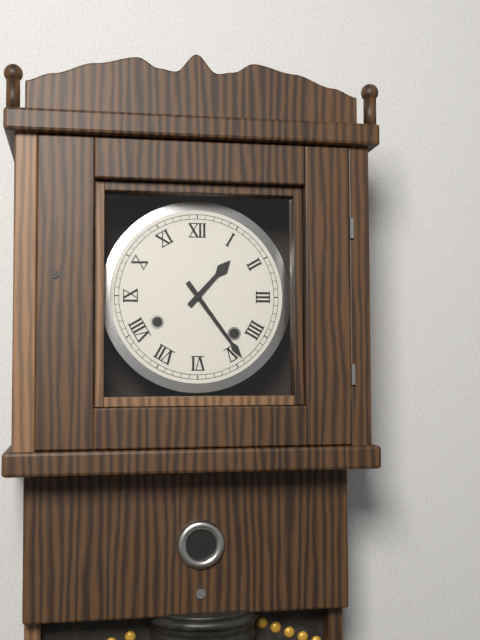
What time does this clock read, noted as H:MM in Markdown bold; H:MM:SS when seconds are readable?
**1:24**
